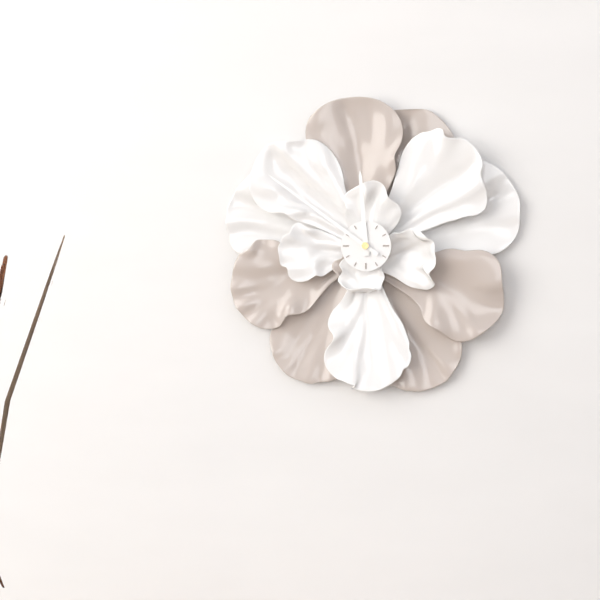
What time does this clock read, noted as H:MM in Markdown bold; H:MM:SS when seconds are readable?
**11:51**
